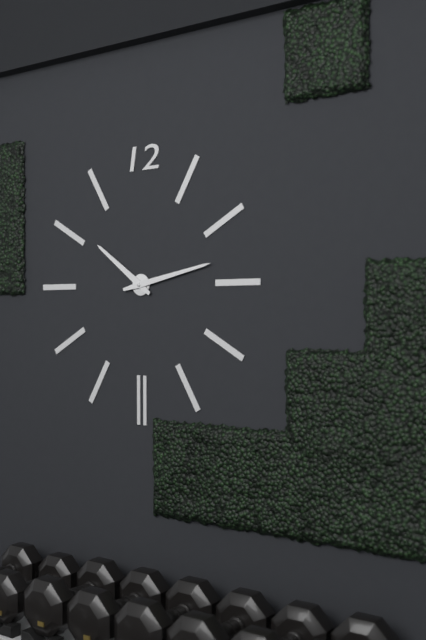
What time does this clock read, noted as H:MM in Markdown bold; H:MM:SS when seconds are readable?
**10:13**
